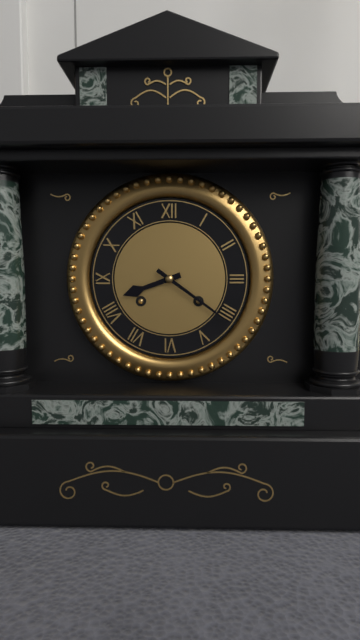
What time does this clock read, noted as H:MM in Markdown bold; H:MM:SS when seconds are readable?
**8:21**
